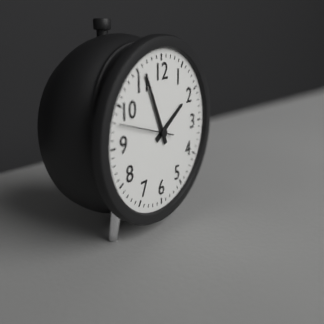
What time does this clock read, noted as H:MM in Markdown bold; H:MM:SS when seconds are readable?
**1:56:48**
